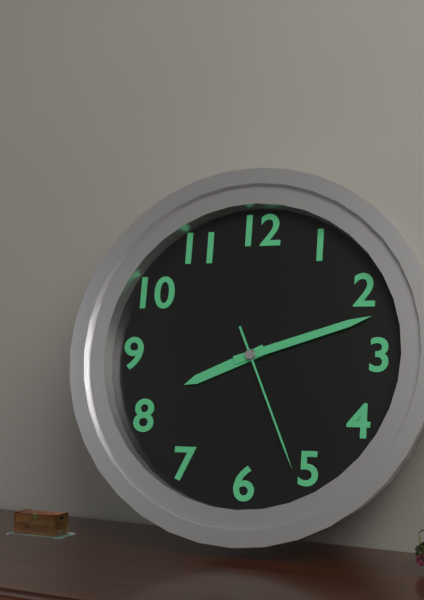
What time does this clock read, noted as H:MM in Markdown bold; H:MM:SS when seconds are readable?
**8:12:26**
